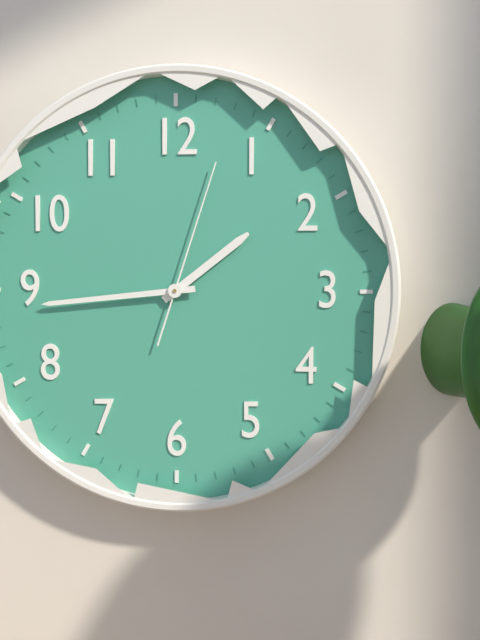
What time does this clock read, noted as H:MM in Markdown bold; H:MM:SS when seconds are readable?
**1:44:03**
